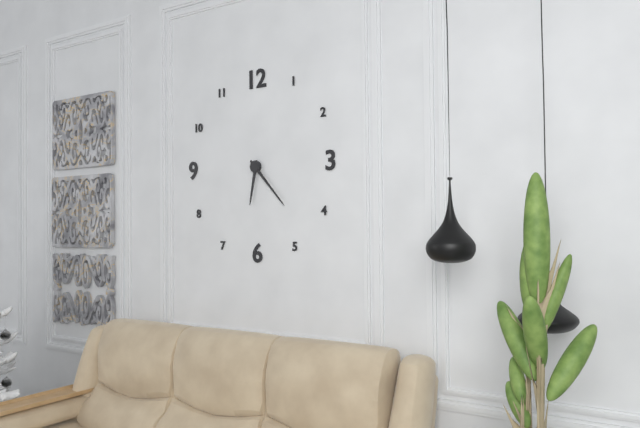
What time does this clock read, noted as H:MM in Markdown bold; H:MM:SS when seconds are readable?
**6:23**
